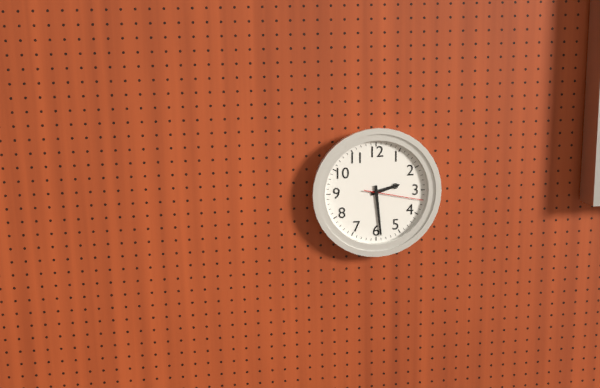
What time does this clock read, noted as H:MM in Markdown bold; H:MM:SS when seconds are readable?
**2:29:17**
